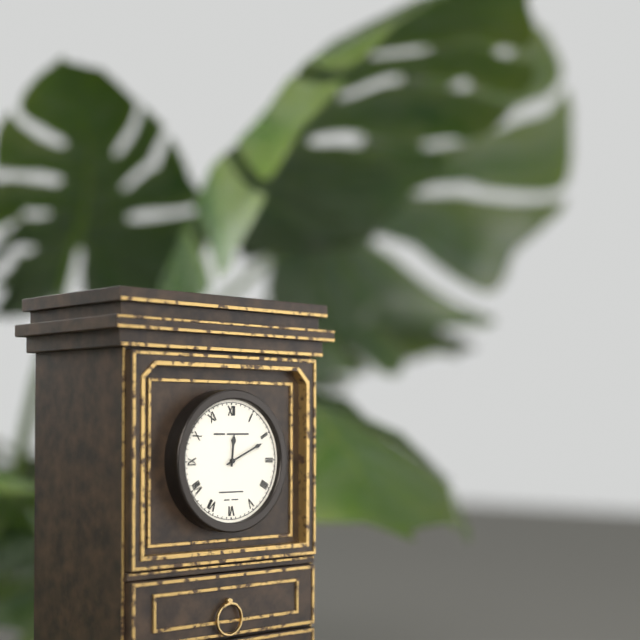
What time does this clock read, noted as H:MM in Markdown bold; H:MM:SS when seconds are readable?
**12:11**
